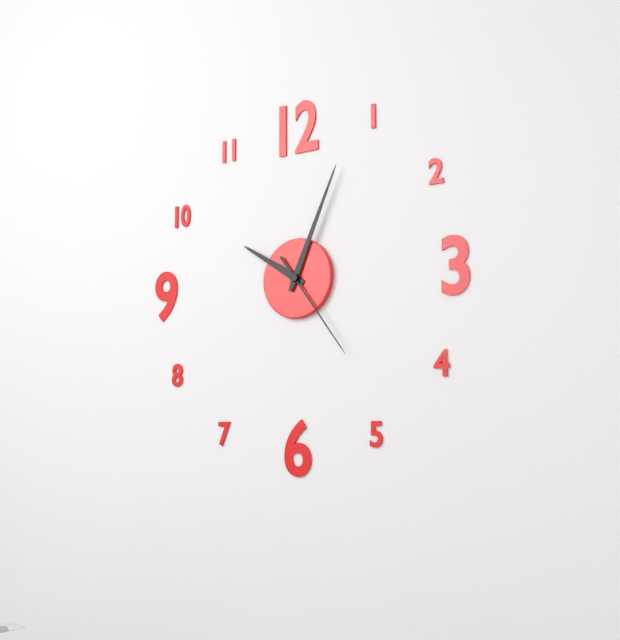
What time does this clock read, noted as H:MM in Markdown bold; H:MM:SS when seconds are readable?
**10:04:24**
